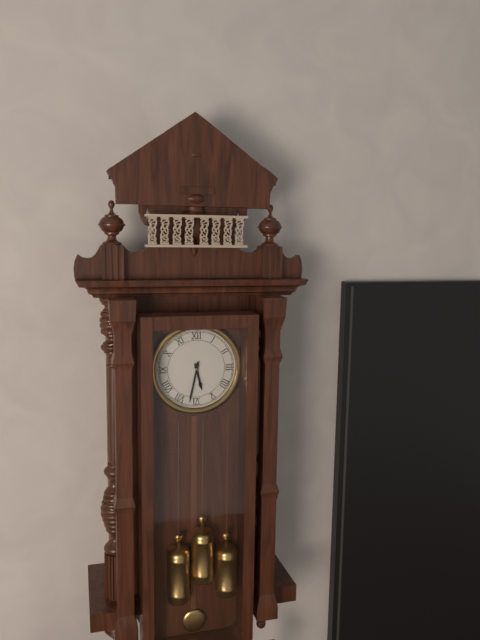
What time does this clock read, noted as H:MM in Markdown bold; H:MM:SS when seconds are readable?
**5:32**
